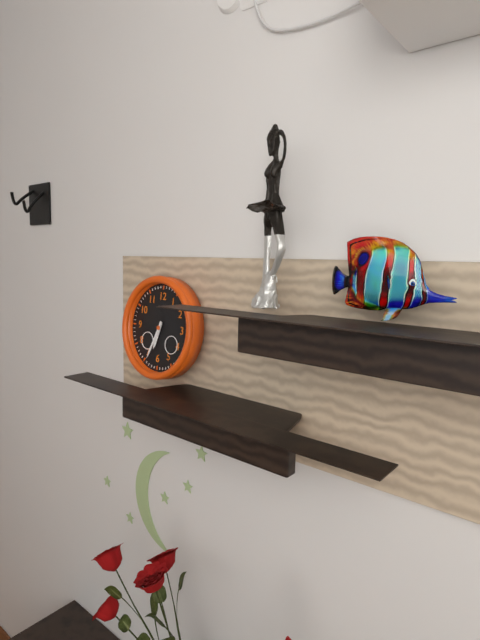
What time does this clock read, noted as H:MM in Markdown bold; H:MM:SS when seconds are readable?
**6:34**
